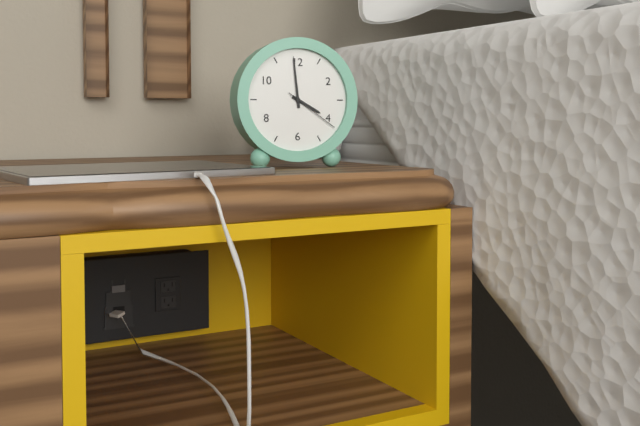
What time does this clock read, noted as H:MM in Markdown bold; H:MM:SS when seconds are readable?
**3:59:21**
